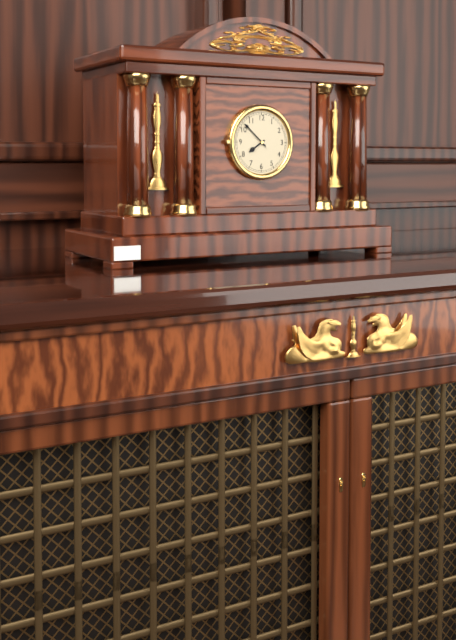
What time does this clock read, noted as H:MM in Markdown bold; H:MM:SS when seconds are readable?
**7:52**
